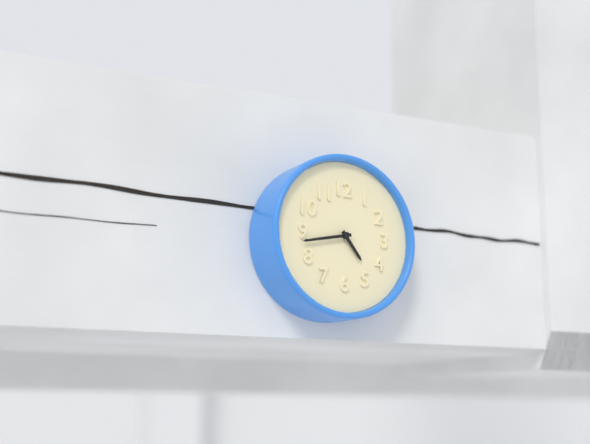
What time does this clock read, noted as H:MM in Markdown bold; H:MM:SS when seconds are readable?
**4:43**
